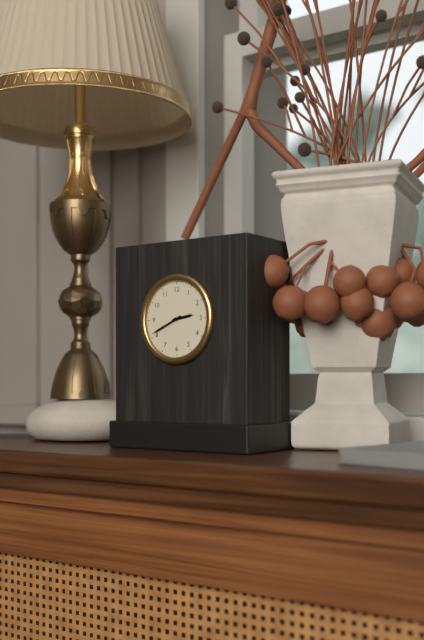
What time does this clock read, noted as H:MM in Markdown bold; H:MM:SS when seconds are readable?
**2:41**
